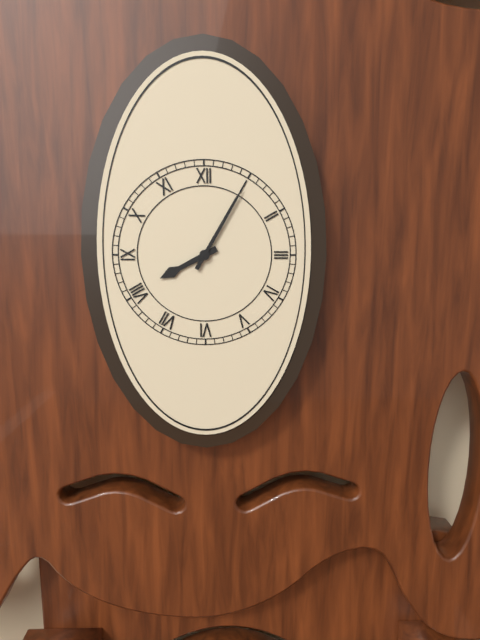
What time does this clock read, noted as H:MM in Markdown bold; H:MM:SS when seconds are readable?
**8:05**
